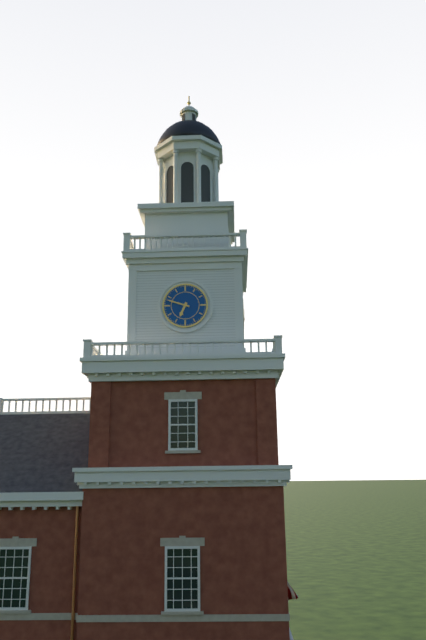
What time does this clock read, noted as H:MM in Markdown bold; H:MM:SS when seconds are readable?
**6:48**
